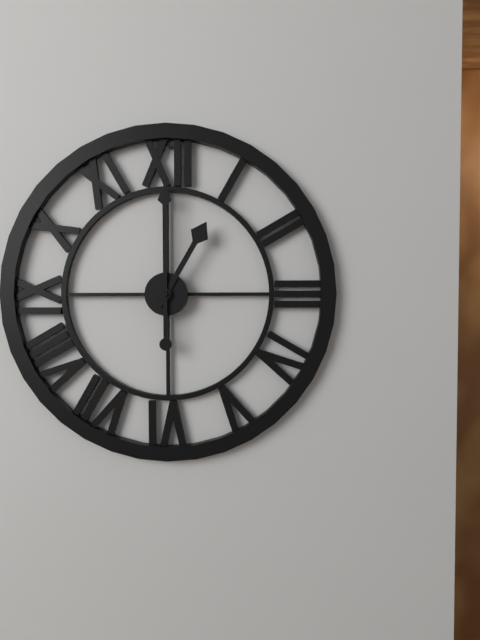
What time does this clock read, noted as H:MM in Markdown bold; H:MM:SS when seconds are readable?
**1:00**
